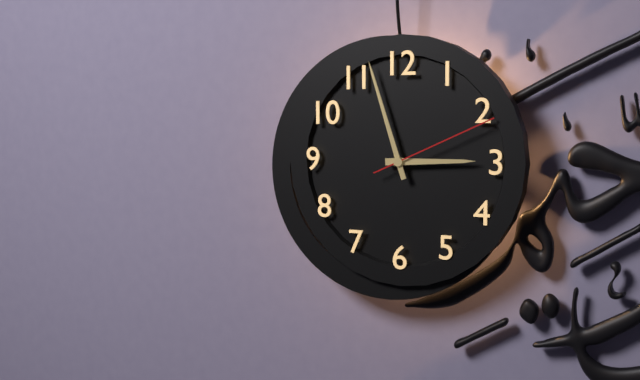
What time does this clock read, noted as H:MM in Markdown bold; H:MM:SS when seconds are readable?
**2:57:11**
